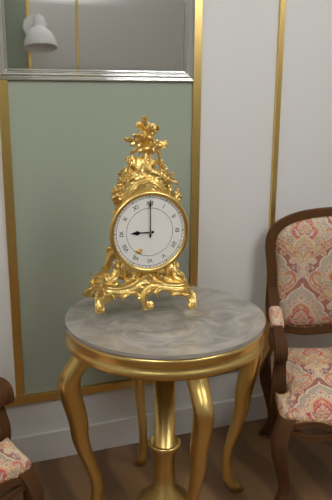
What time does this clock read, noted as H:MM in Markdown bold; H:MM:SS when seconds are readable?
**9:00**
